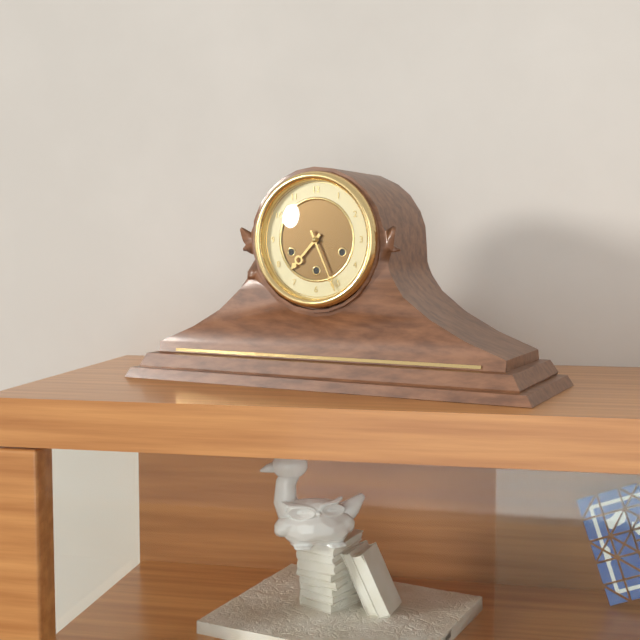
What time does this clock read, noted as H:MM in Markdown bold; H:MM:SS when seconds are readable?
**7:26**
